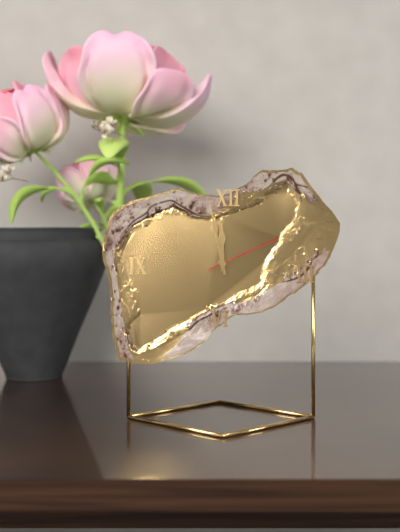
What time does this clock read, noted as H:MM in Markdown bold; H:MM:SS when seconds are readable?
**11:58:11**
